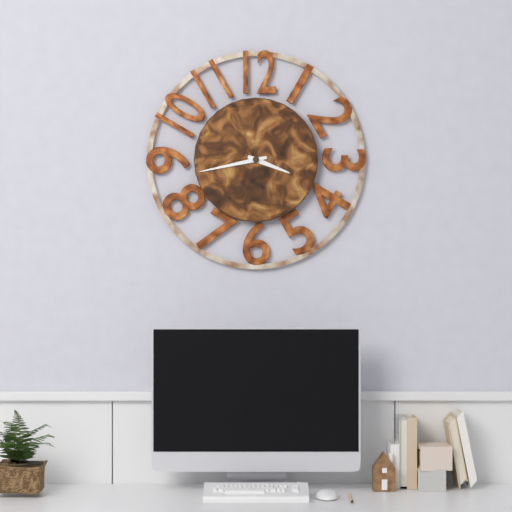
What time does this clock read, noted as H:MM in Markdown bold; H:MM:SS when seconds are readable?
**3:43**
